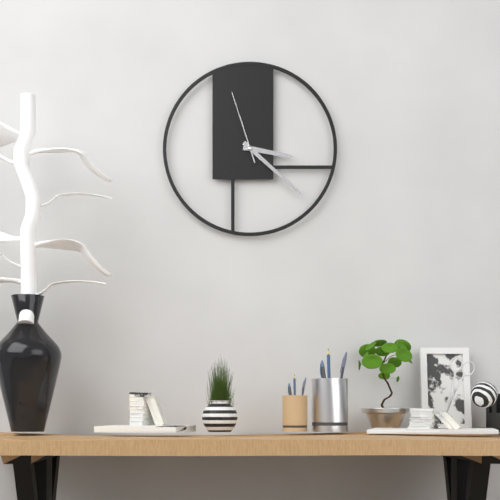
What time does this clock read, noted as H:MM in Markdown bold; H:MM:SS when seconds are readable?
**3:22:57**
